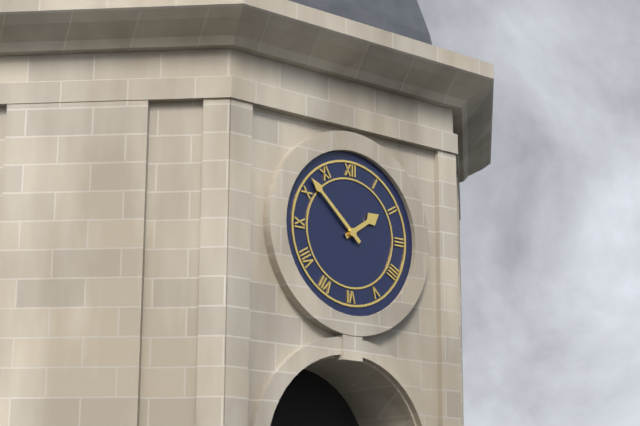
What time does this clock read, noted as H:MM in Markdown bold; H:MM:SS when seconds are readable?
**1:52**
